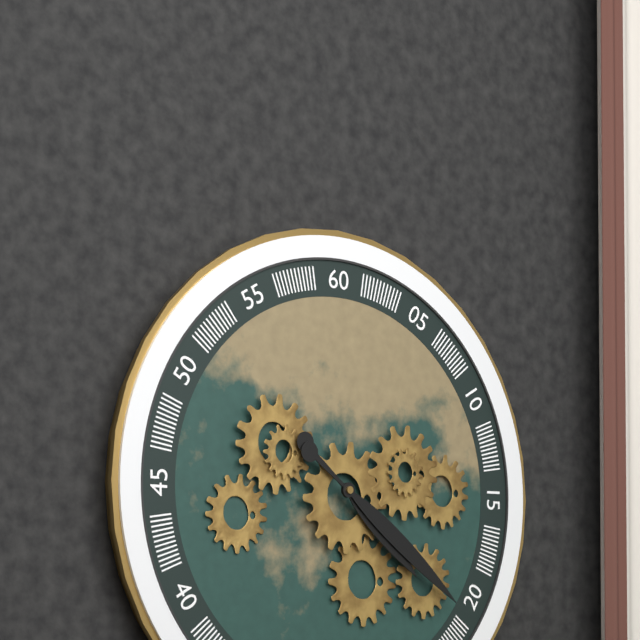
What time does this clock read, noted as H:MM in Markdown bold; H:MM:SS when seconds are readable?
**4:21**
